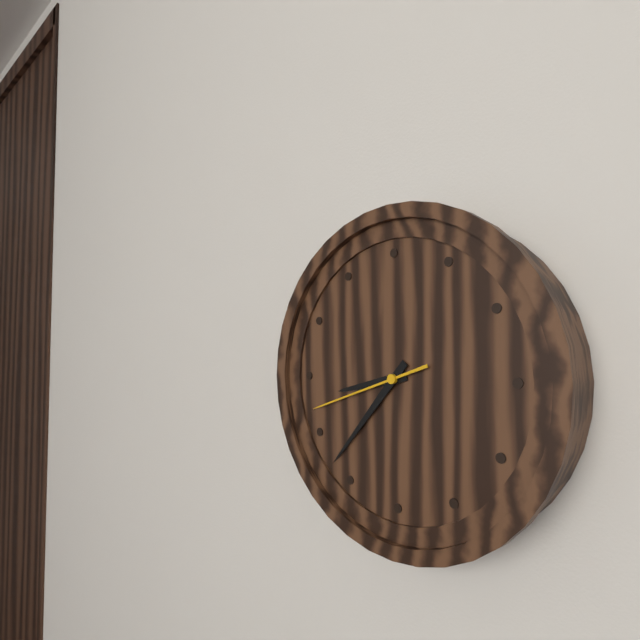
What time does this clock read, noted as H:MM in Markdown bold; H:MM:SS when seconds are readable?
**8:37:42**
